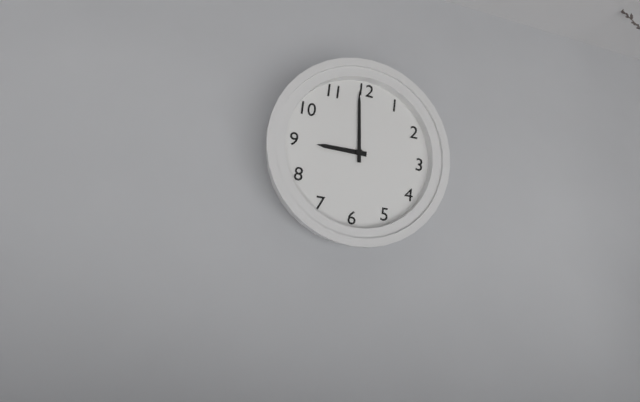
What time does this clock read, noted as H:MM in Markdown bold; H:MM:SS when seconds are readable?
**8:59**
